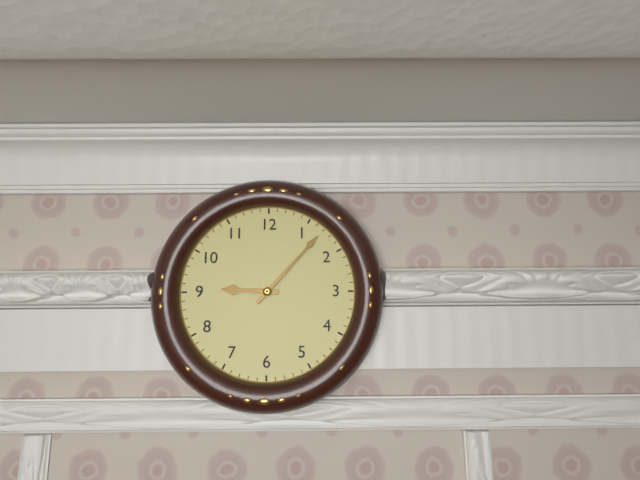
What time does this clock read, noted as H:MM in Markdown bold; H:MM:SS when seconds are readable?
**9:07**
